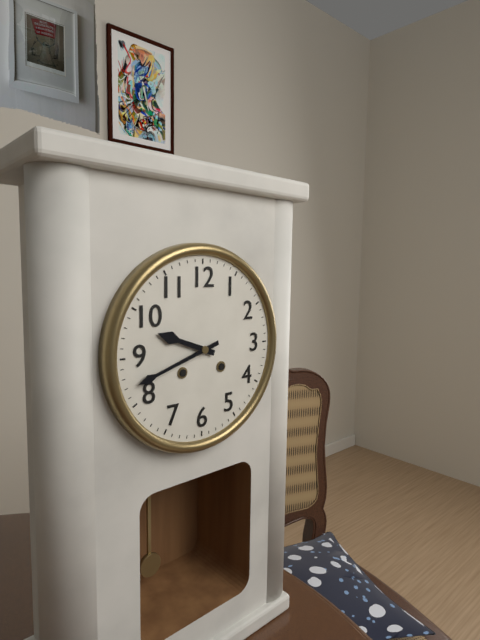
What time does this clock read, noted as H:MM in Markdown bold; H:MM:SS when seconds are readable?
**9:42**
